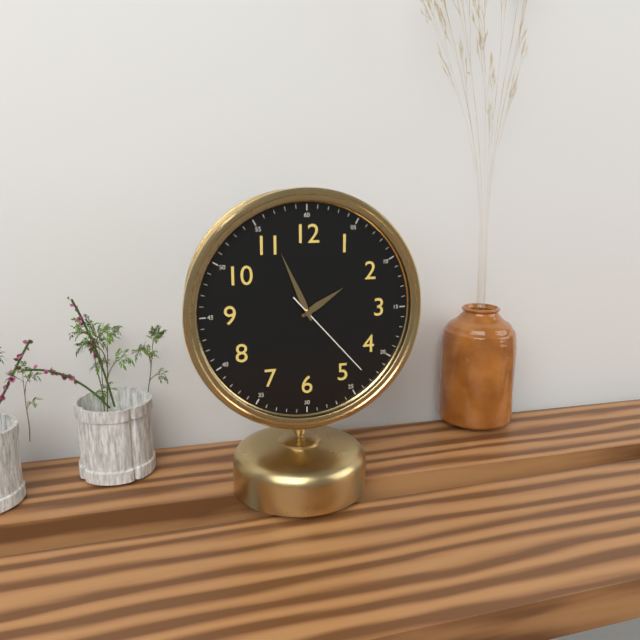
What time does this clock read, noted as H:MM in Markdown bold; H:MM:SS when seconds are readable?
**1:56:23**
